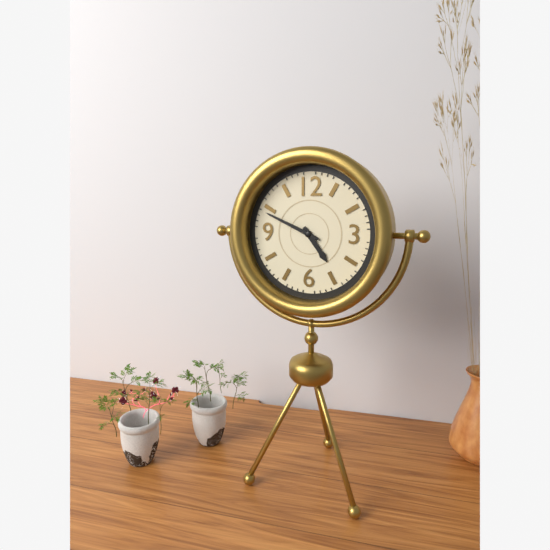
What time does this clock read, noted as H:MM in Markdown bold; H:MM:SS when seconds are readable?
**4:49**
